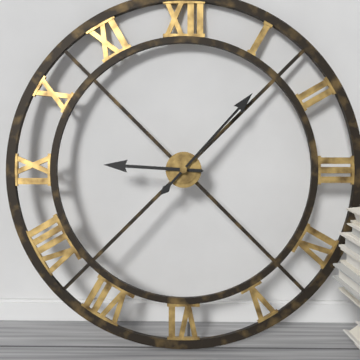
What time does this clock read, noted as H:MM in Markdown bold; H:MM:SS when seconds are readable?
**9:07**
